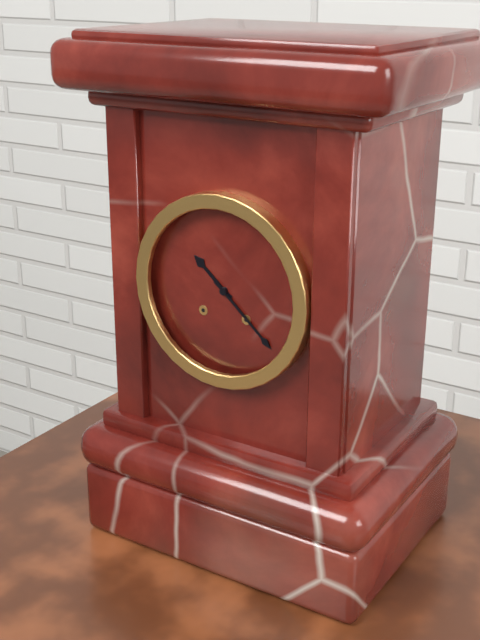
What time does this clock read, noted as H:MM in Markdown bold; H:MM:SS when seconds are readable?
**10:22**
